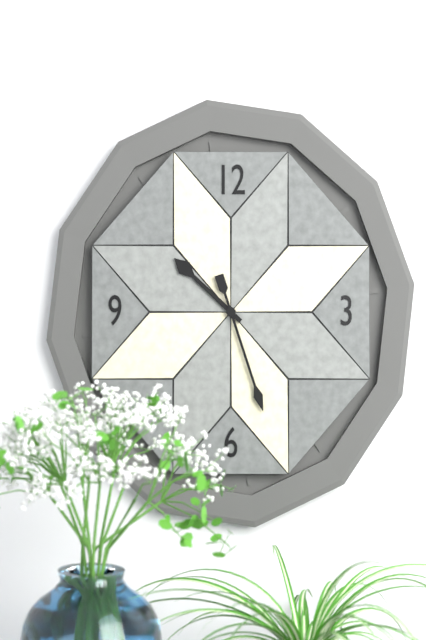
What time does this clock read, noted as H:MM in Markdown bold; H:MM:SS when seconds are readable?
**10:27**
